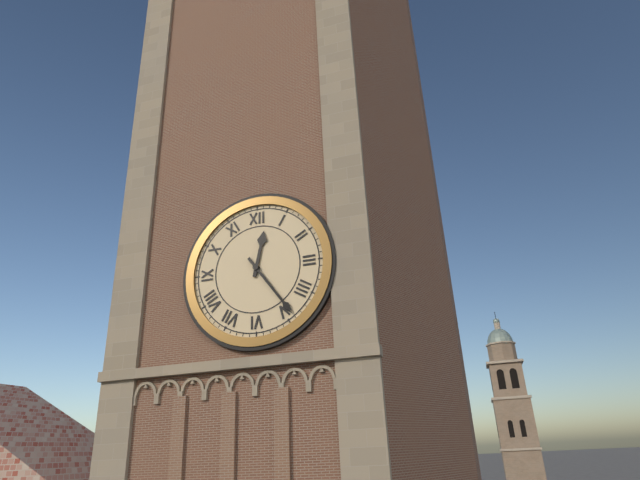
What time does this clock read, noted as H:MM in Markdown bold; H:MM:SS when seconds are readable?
**12:24**
